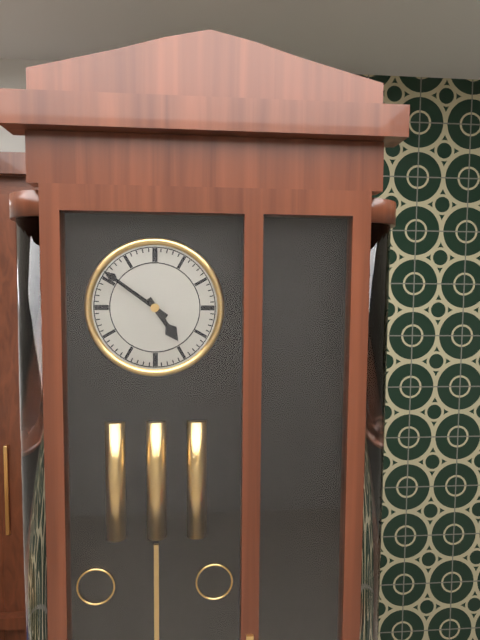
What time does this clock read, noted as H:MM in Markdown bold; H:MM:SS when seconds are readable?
**4:51**
